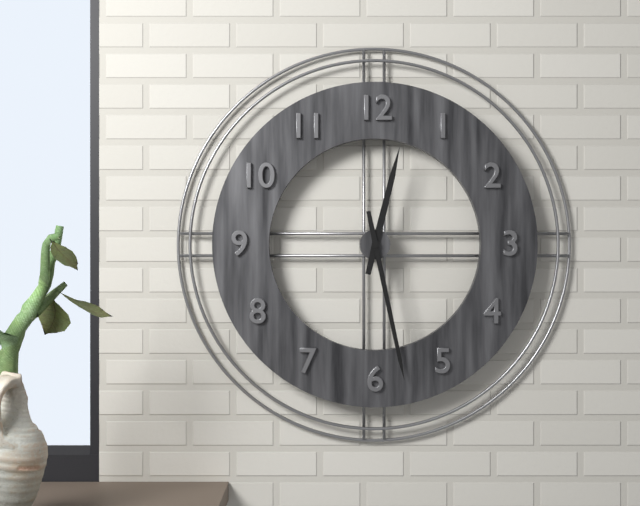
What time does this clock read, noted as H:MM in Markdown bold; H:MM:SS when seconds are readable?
**12:28**
